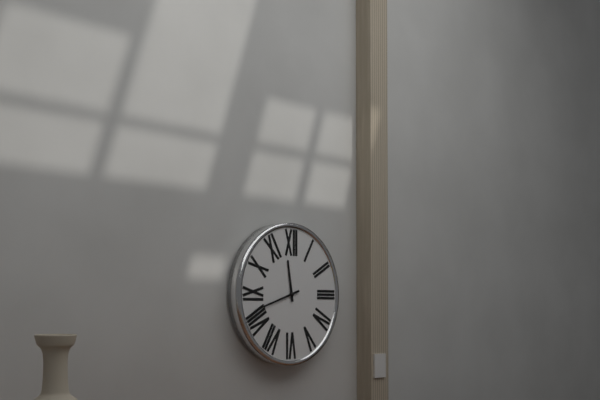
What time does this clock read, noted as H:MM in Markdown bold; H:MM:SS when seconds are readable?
**11:42**
